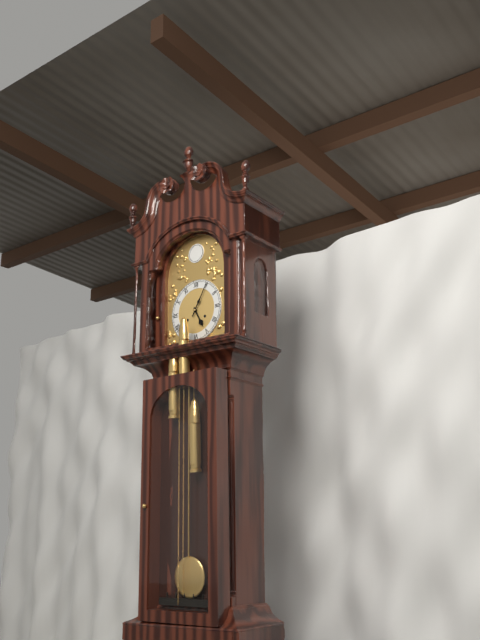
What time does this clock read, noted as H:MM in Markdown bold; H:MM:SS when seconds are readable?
**5:05**
